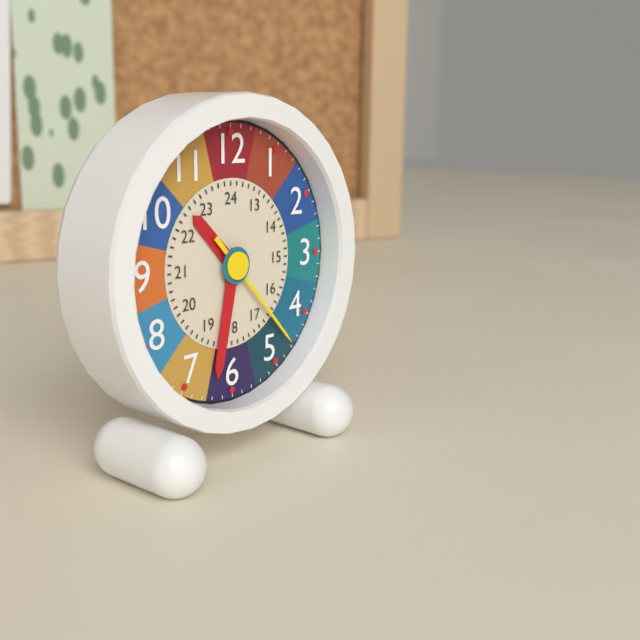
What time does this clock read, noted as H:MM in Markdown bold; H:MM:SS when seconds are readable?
**10:32:23**
